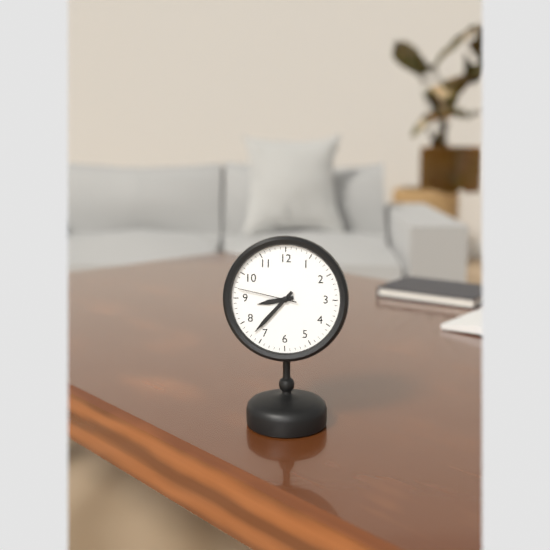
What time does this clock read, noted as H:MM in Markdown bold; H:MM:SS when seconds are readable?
**8:37:47**
